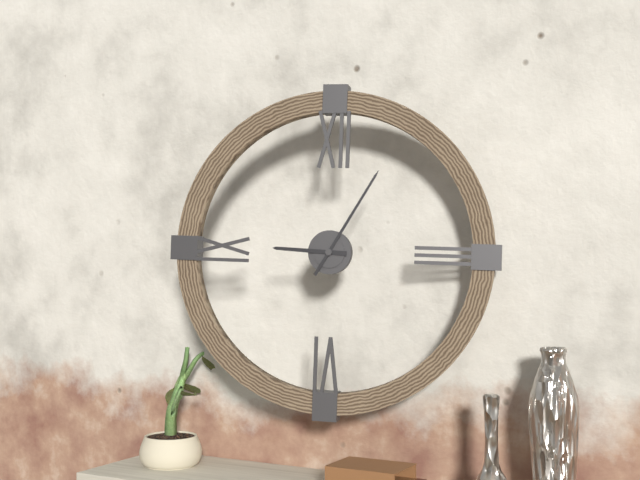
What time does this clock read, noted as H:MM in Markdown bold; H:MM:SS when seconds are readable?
**9:05**
